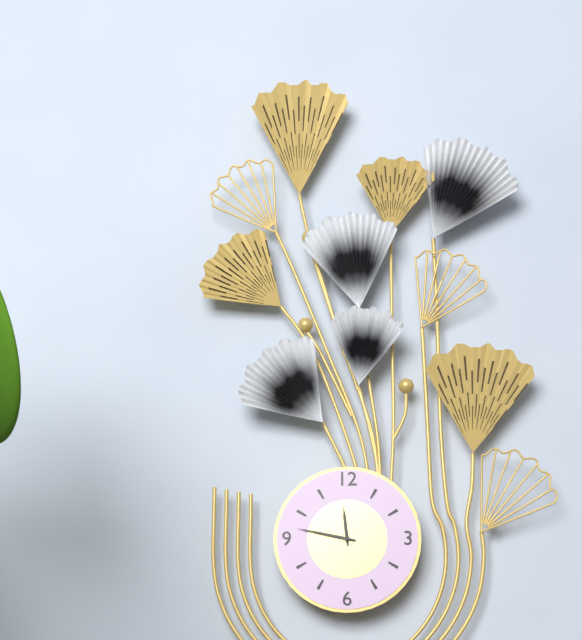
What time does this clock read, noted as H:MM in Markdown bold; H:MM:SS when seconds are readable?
**11:47**
